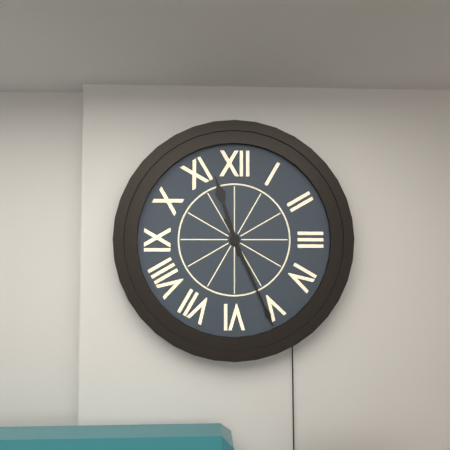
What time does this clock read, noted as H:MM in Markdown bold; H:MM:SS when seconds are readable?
**11:26**
